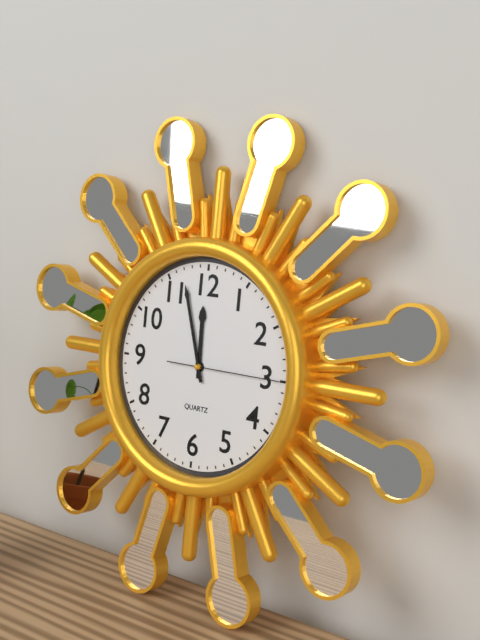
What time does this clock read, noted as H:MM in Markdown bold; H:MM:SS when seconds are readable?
**11:57:15**
